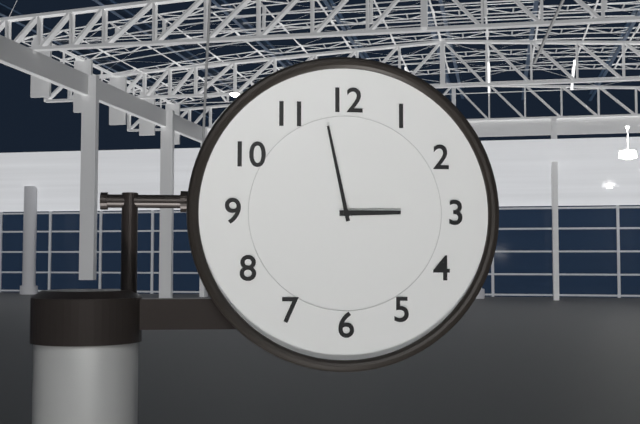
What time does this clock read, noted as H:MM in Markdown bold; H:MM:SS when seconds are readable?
**2:58**
